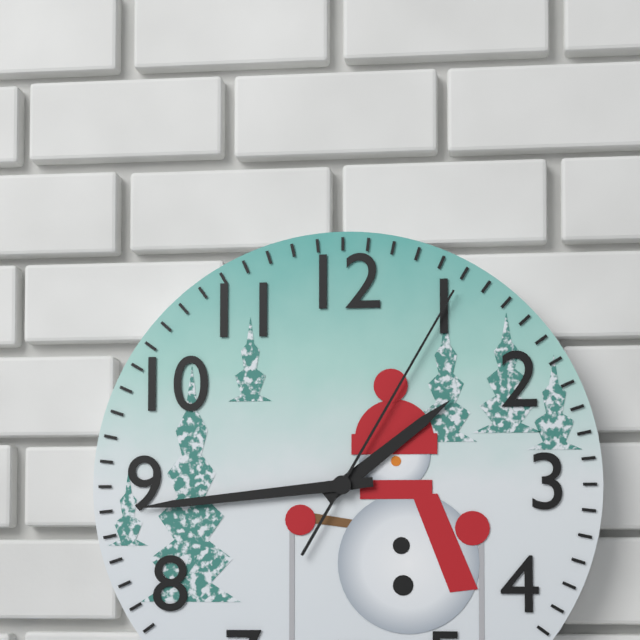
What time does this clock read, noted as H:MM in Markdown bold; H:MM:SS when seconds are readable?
**1:44:05**
